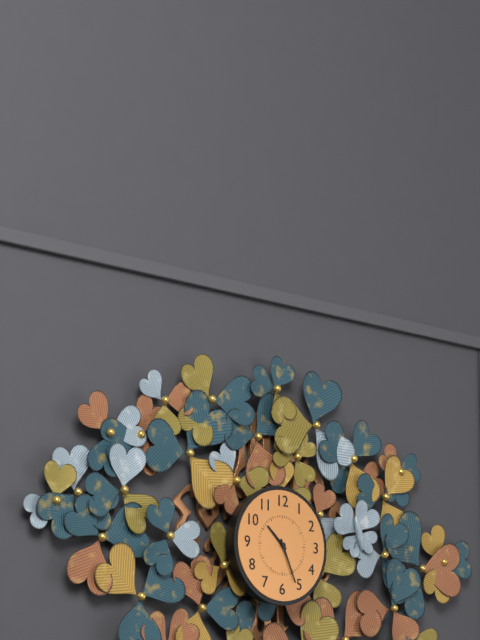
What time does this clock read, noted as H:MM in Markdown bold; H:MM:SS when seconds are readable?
**10:26**
